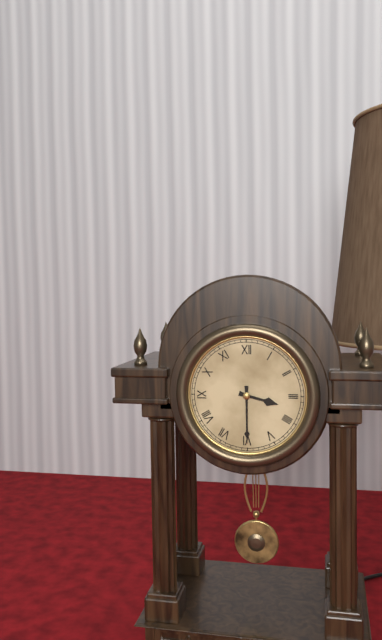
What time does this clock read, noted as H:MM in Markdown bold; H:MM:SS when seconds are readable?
**3:30**
